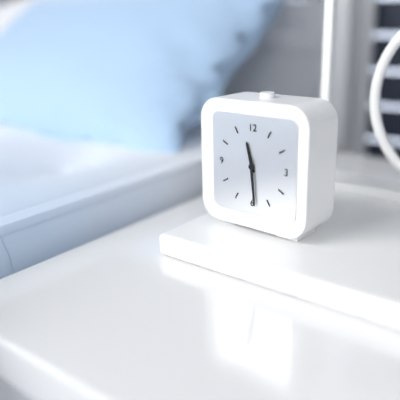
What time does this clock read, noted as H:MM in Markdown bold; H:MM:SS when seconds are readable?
**11:29**
